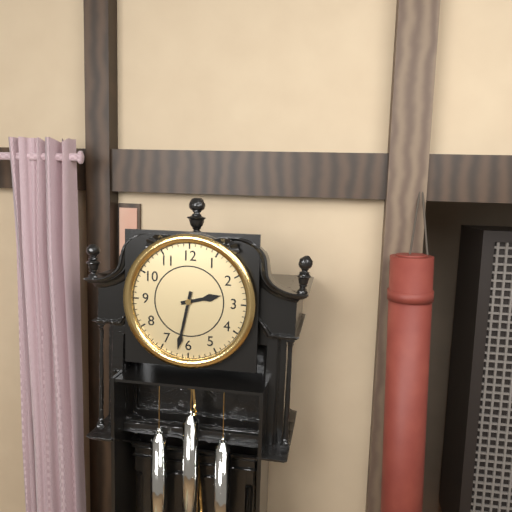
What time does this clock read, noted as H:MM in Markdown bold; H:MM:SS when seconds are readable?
**2:32**
